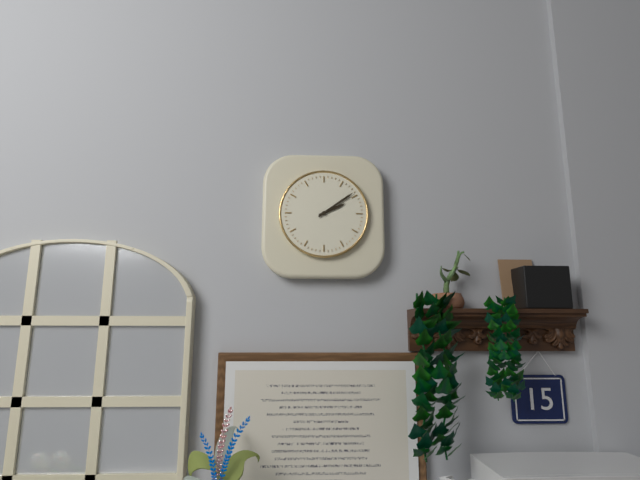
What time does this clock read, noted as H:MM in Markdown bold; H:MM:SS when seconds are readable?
**2:09**
